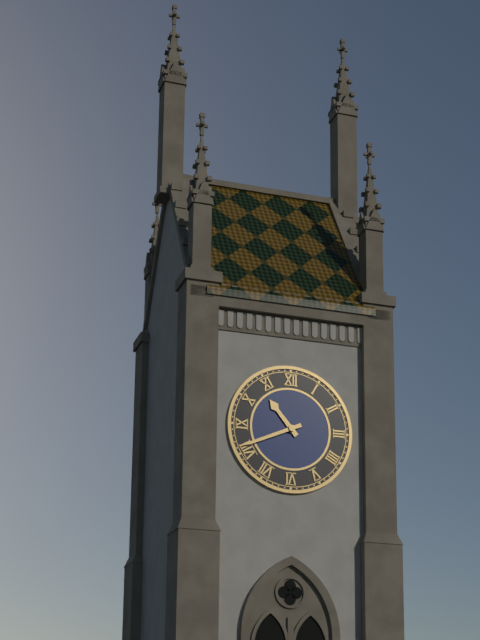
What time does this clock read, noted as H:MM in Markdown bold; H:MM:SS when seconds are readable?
**10:41**
